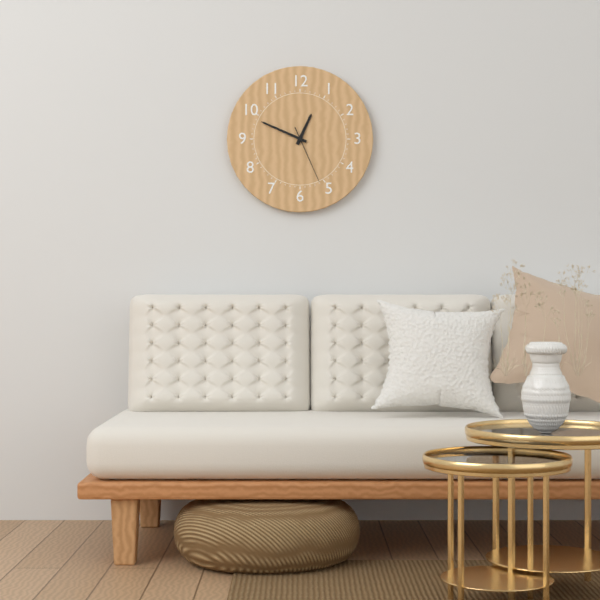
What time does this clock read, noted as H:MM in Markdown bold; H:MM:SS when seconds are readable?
**12:49:26**
